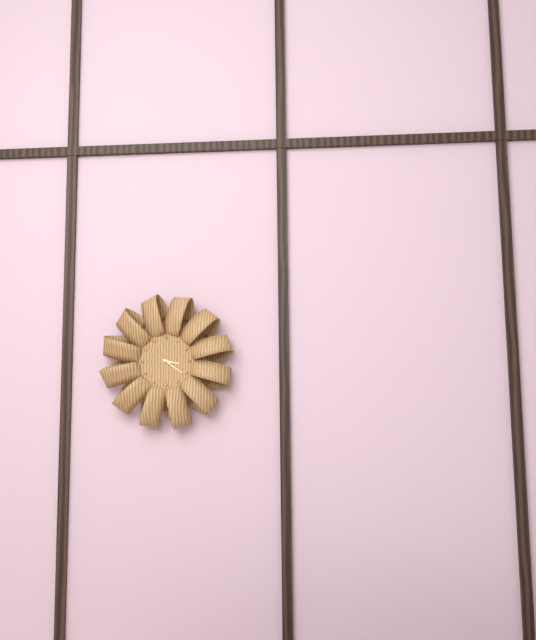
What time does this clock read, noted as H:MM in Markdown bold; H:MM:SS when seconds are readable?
**3:21**
